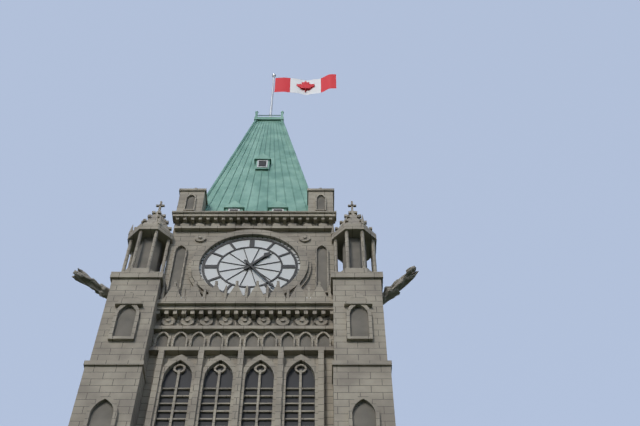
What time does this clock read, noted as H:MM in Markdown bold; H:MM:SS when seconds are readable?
**1:24**
